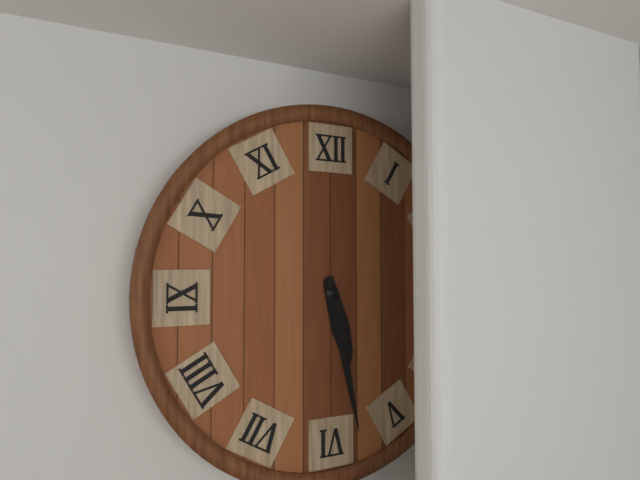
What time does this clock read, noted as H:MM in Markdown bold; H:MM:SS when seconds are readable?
**5:28**
